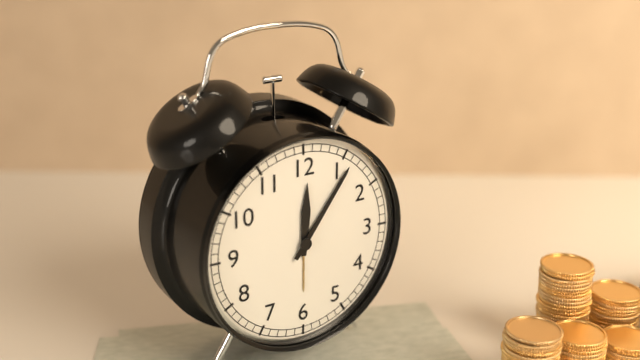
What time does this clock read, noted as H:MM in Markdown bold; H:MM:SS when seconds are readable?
**12:06**
